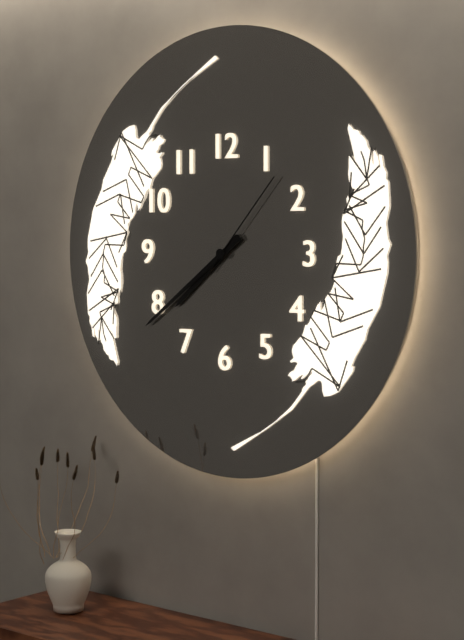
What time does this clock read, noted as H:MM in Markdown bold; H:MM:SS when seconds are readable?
**7:39:07**
